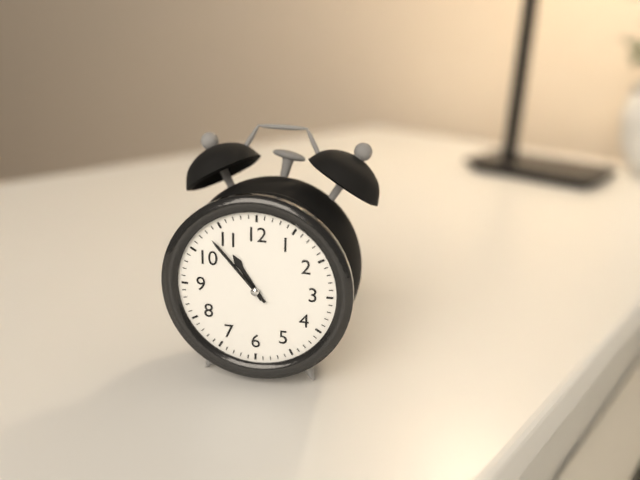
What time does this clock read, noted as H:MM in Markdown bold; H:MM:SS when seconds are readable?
**10:53**
